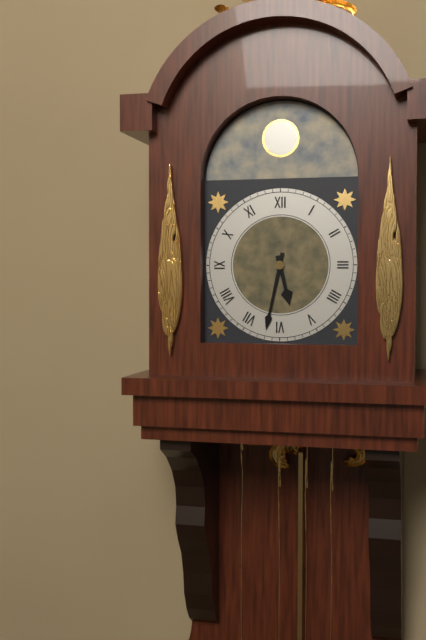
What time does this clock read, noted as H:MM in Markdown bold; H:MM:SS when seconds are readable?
**5:32**
